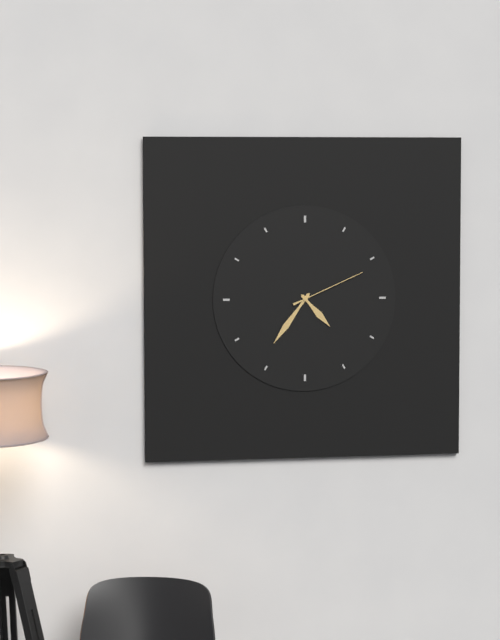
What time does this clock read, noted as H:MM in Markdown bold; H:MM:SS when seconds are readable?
**4:36:11**
